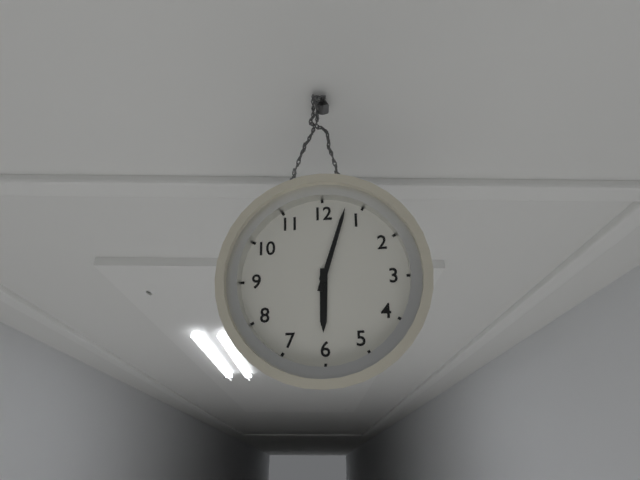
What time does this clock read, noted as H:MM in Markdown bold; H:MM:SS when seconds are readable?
**6:03**
